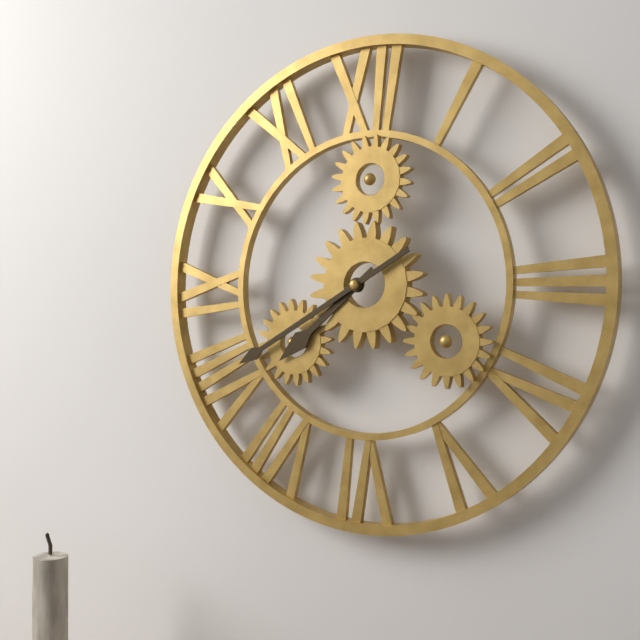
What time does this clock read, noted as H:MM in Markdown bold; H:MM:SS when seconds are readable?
**7:40**
